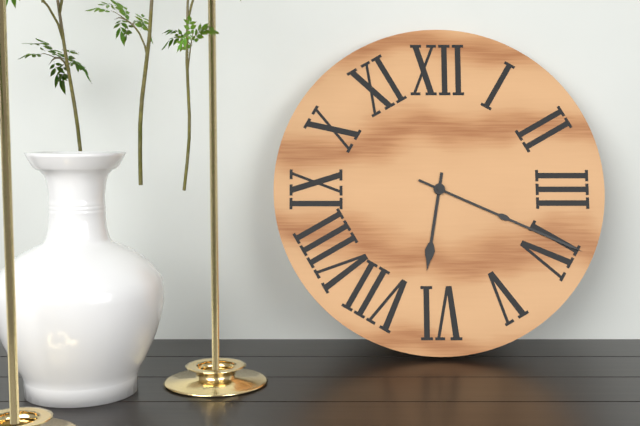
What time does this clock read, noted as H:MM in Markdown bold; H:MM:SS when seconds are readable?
**6:19**
